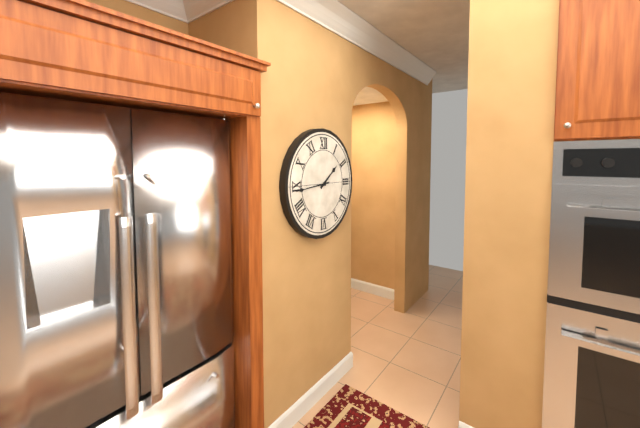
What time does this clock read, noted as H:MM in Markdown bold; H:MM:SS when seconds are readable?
**1:44**
